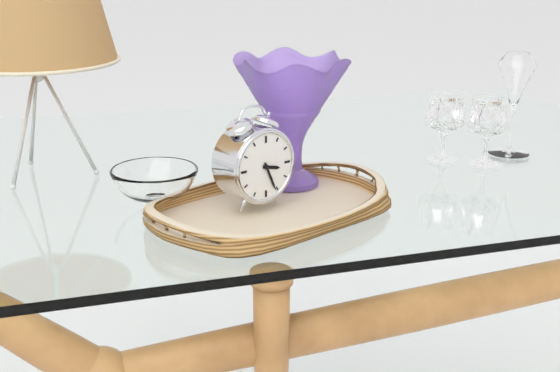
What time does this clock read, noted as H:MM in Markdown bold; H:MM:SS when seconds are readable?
**3:26**
